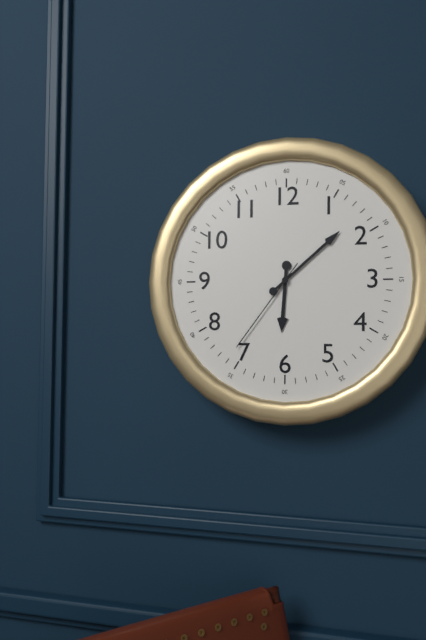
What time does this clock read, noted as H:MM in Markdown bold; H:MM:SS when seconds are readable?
**6:08:36**
